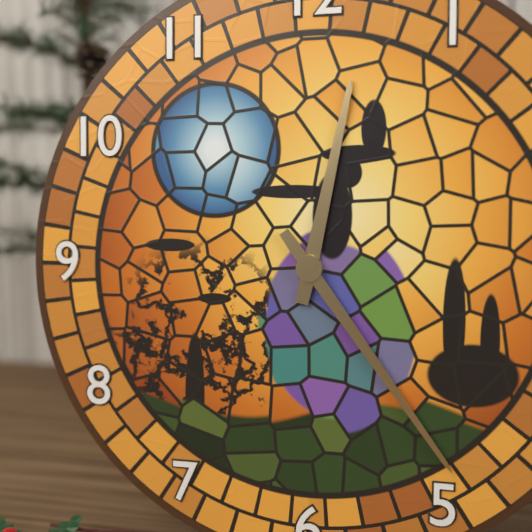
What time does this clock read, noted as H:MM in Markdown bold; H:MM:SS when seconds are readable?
**12:24**
